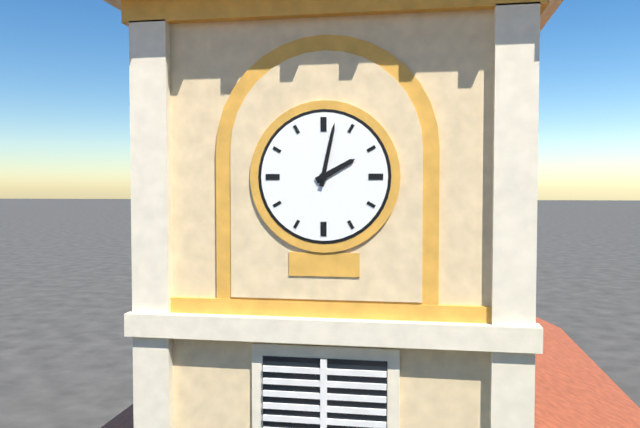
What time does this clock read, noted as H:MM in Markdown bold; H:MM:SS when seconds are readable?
**2:02**
